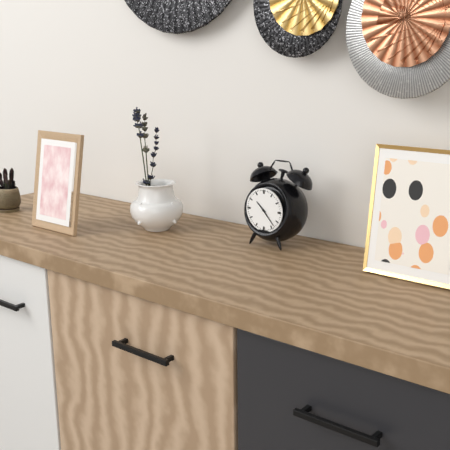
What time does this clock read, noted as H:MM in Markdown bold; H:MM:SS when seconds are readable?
**10:23**
